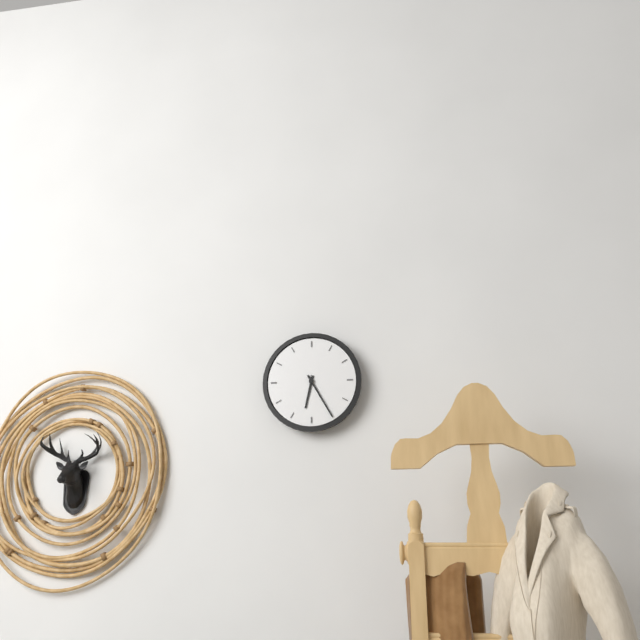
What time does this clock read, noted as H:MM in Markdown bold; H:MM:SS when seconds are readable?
**6:25**
